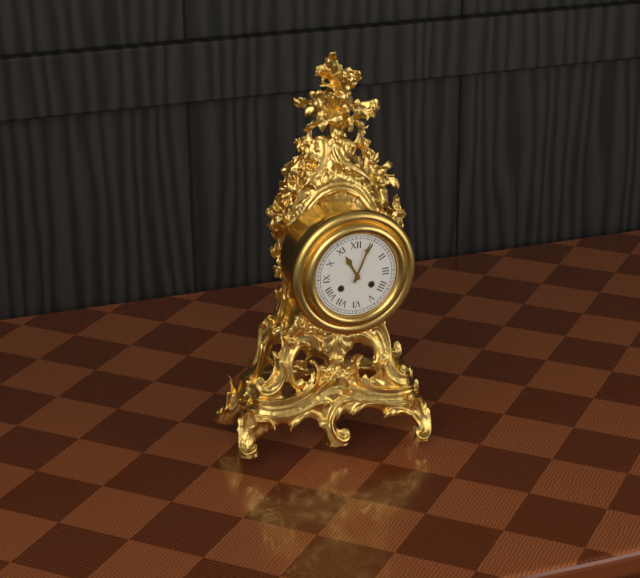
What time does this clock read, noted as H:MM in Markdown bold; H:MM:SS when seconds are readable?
**11:04**
